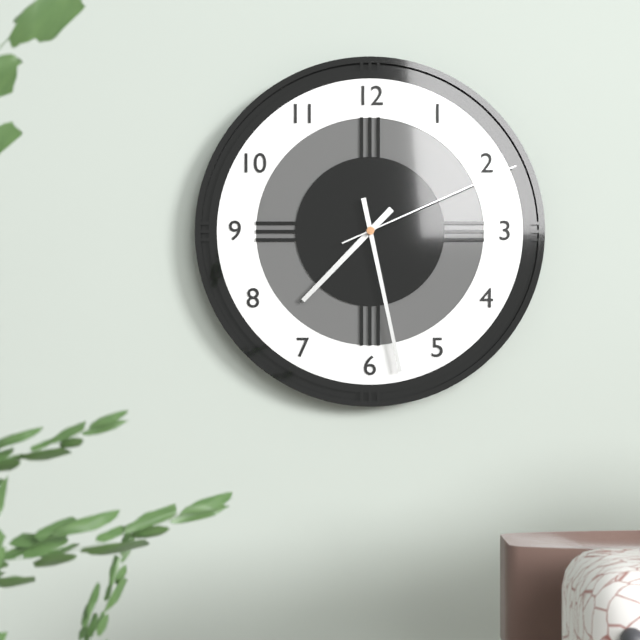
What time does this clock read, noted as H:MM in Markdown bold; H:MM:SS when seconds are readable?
**7:28:11**
